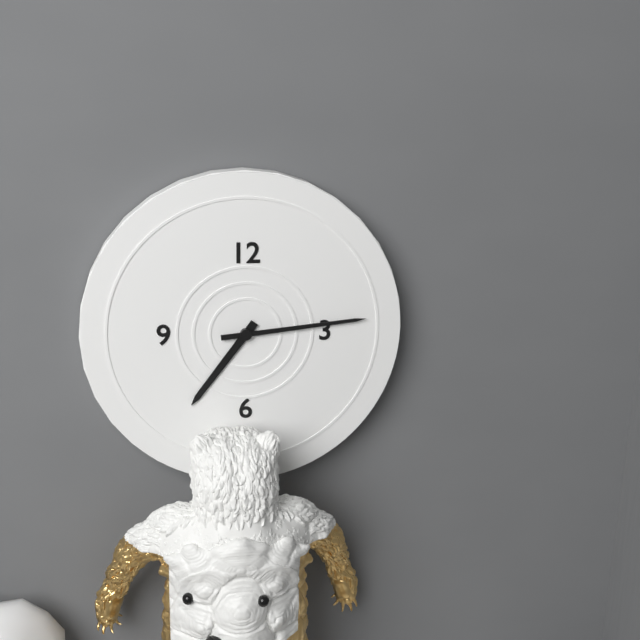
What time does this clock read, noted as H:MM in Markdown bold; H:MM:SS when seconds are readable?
**7:14**
